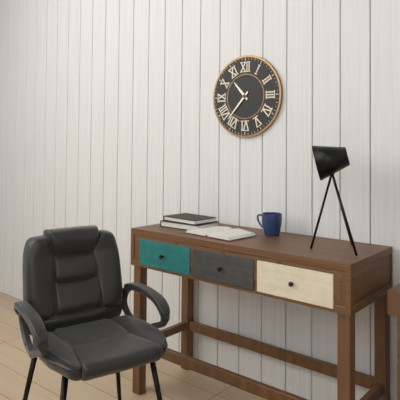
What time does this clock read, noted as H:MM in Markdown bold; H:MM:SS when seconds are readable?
**10:37**
